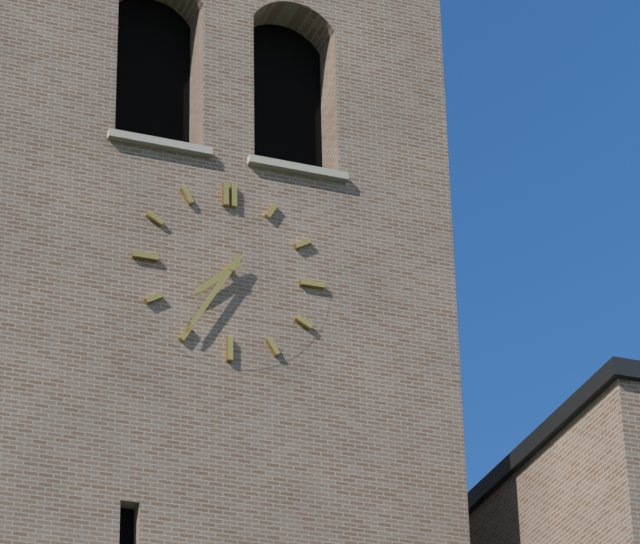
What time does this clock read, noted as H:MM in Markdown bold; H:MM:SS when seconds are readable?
**7:35**
